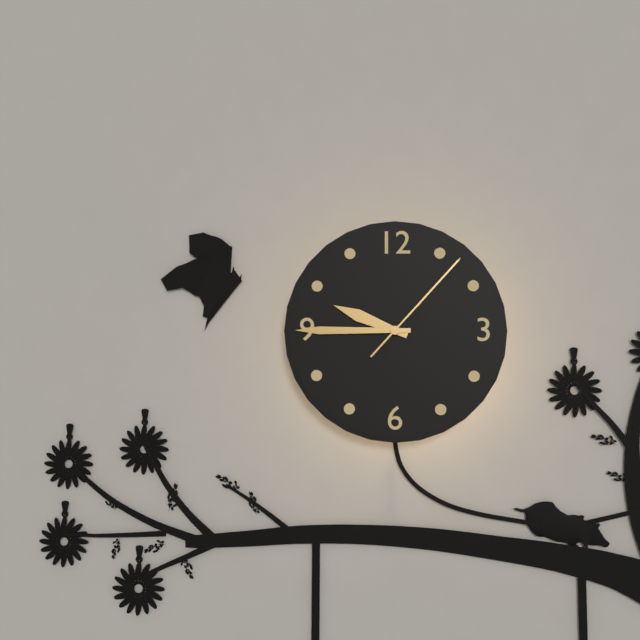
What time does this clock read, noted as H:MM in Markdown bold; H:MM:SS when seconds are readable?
**9:45:07**
